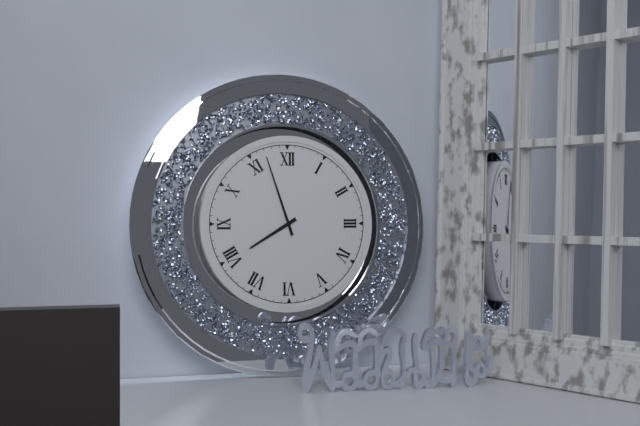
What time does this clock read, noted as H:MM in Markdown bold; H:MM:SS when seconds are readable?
**7:57**
